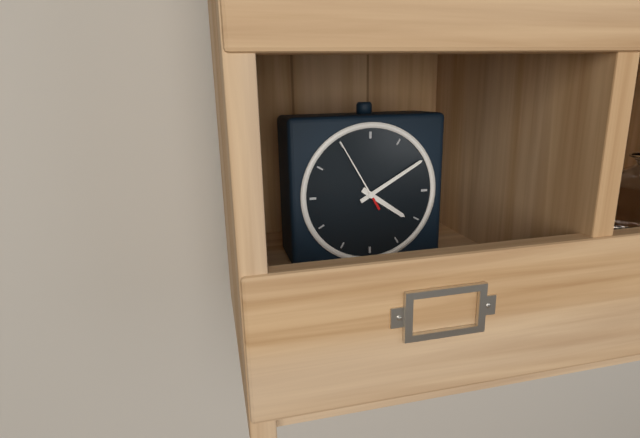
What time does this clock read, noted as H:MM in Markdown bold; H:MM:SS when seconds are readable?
**4:10:55**
